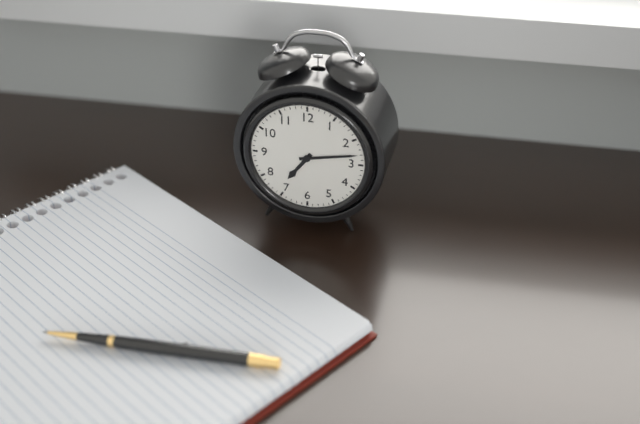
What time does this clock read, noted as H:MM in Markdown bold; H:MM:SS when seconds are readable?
**7:13**
